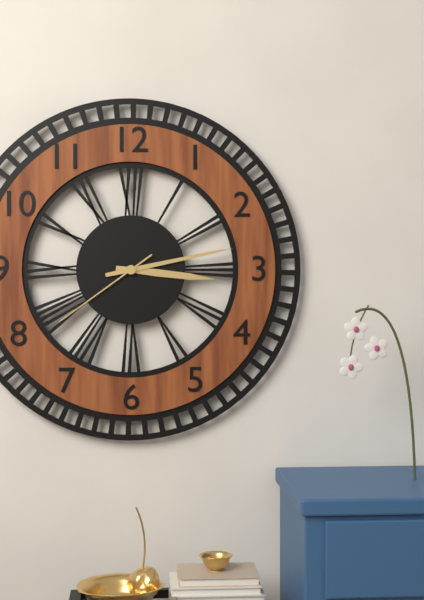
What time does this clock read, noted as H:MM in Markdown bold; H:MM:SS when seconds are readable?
**3:13:39**
